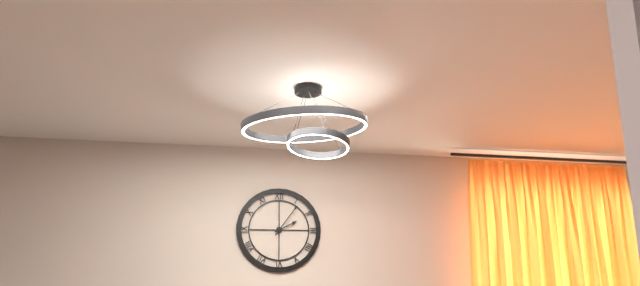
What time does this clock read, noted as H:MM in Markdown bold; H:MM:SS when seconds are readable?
**2:06**
